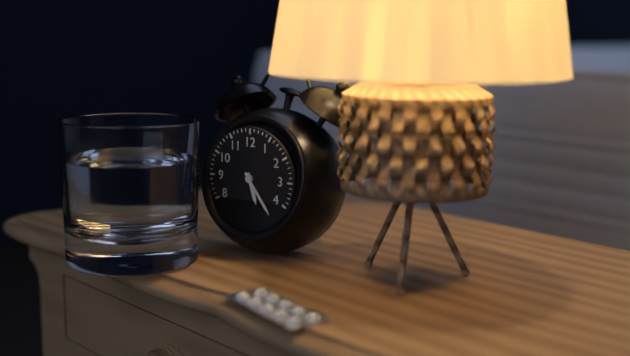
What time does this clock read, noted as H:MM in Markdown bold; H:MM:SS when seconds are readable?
**5:24**
